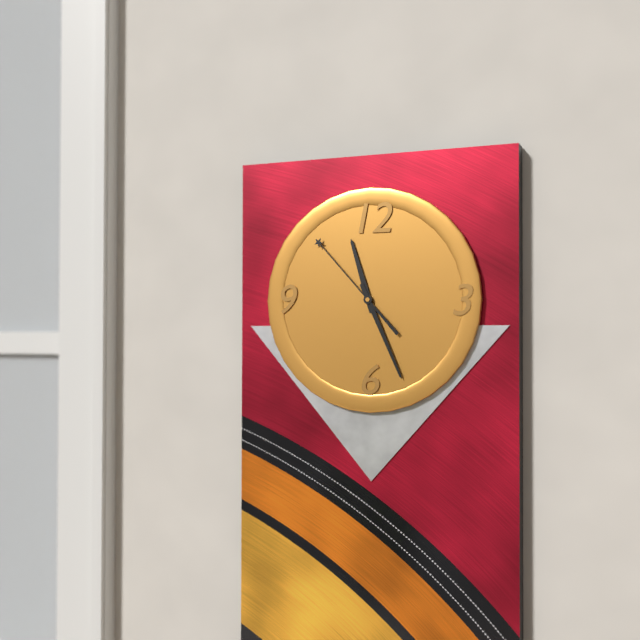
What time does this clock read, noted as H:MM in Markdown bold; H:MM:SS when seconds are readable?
**11:26:53**
